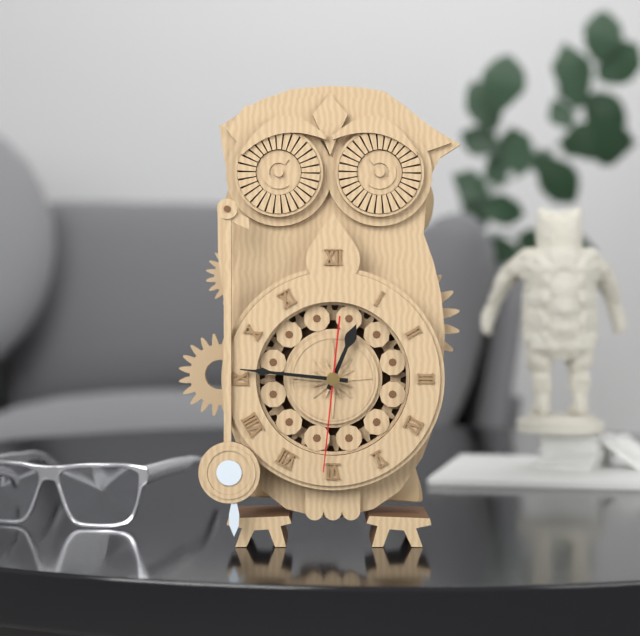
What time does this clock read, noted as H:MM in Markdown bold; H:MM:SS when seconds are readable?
**12:46:31**
